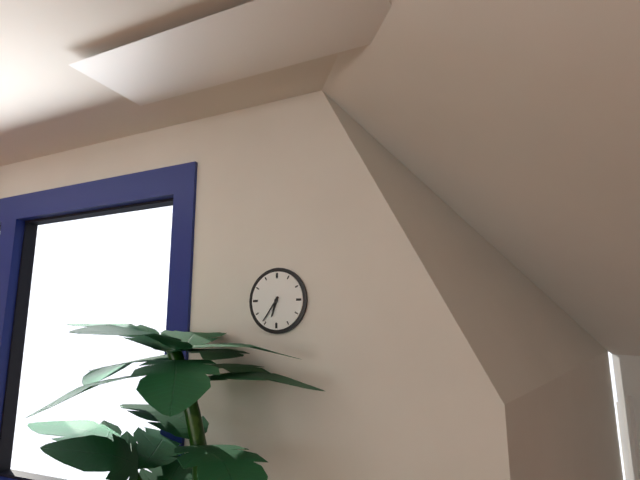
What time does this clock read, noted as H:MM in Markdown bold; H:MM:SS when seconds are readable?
**6:36**
